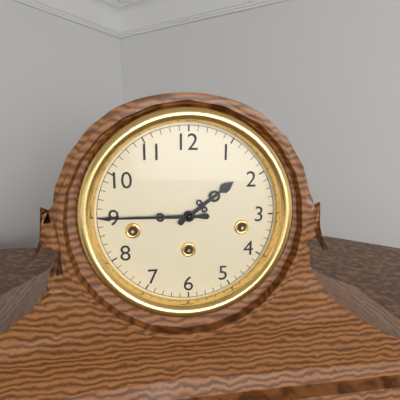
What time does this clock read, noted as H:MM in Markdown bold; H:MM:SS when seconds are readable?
**1:45**
